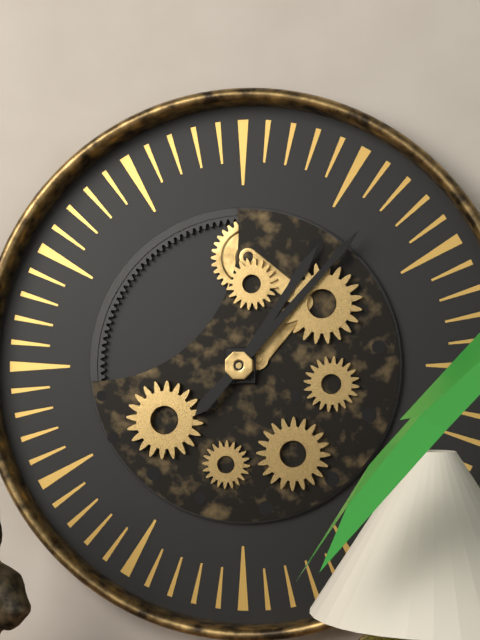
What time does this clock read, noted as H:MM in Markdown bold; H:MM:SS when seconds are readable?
**1:07**
